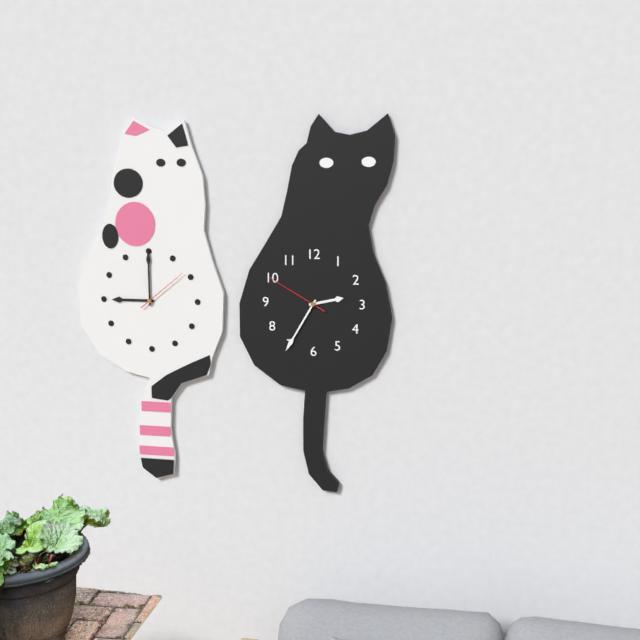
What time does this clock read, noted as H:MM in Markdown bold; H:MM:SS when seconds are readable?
**2:35:50**
